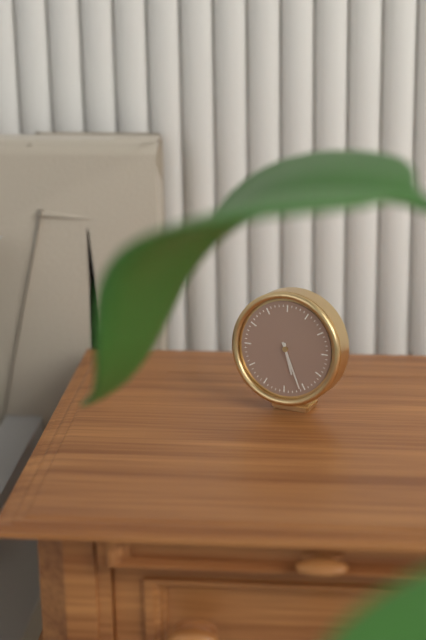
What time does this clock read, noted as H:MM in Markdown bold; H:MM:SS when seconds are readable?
**5:26**
